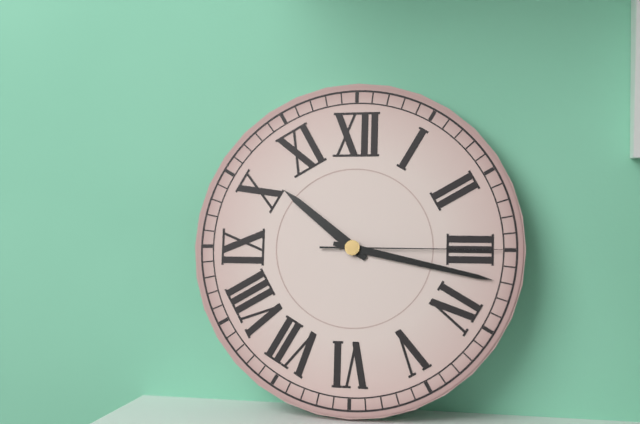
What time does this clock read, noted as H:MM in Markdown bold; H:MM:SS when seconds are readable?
**10:17:15**
